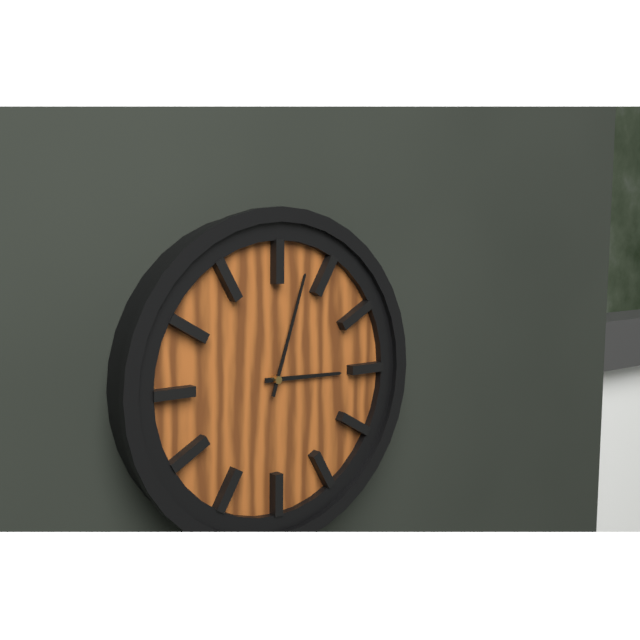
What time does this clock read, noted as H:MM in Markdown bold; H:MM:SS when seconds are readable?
**3:03**
